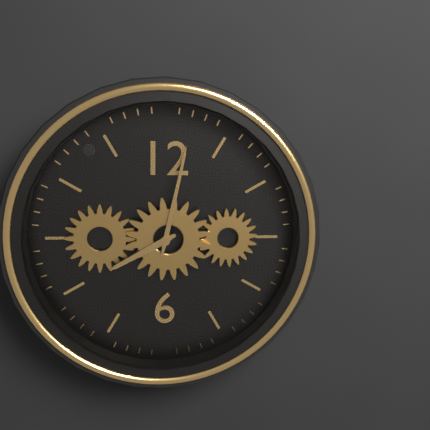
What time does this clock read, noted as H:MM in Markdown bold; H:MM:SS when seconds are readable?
**8:02**
